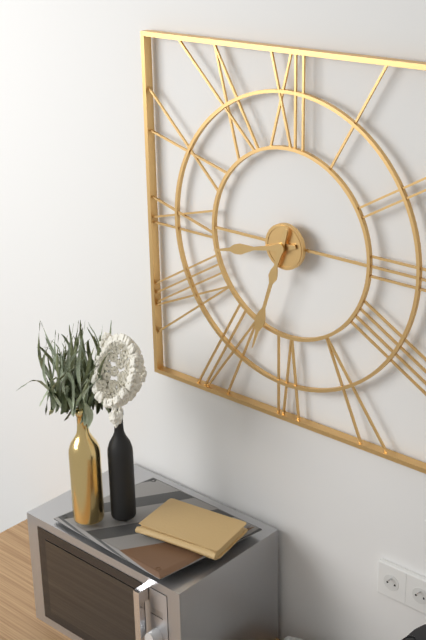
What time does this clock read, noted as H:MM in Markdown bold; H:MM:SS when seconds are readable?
**8:33**
